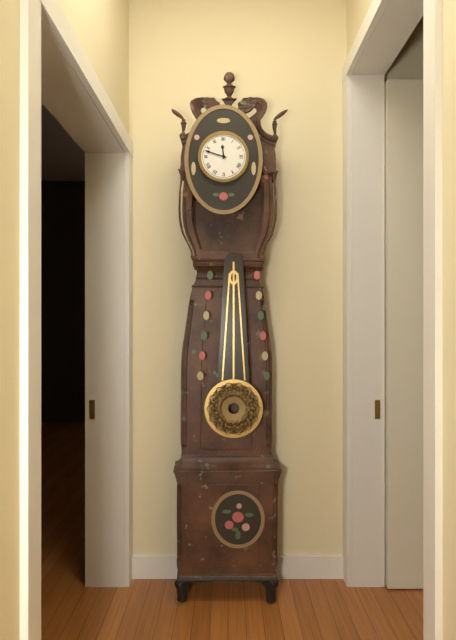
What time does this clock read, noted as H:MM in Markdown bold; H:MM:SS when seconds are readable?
**11:48**
